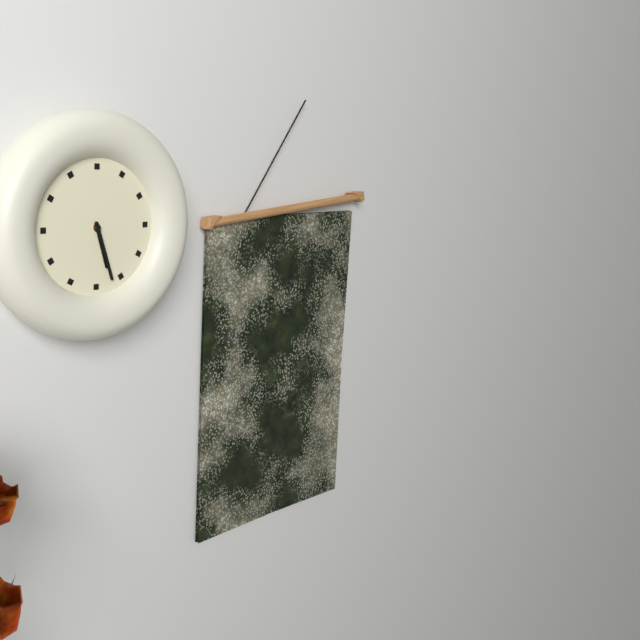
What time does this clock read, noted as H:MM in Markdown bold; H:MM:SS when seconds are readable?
**5:27**
